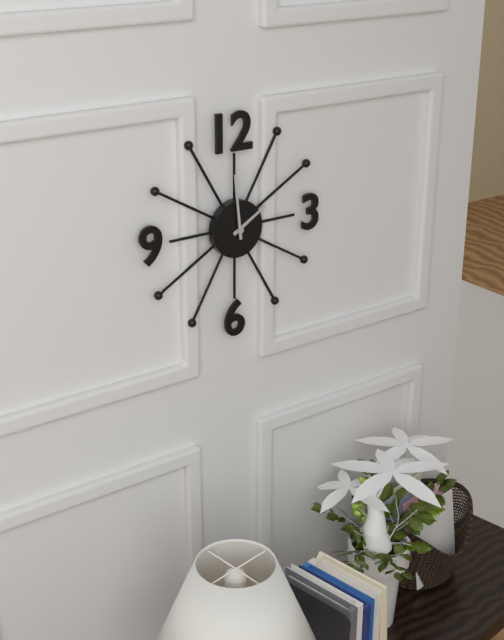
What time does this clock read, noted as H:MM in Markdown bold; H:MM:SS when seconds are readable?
**1:59**
